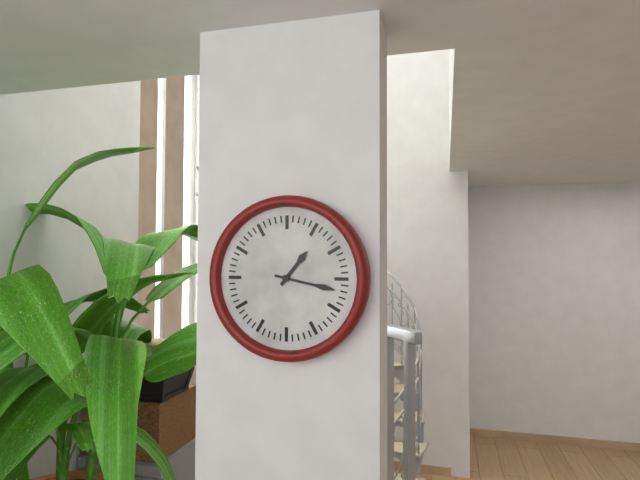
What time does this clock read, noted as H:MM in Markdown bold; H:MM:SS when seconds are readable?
**1:17**
